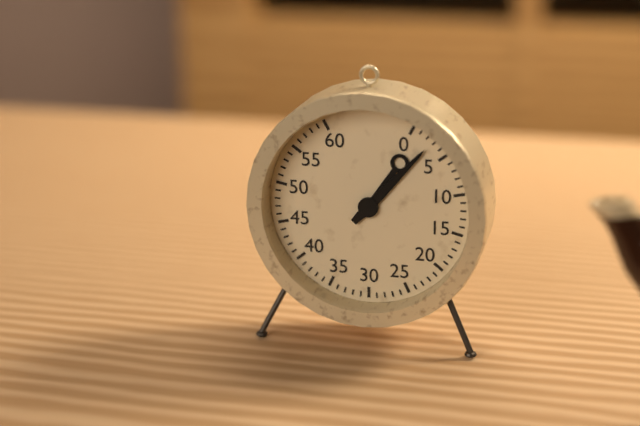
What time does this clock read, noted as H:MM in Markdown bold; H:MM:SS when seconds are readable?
**1:07**
